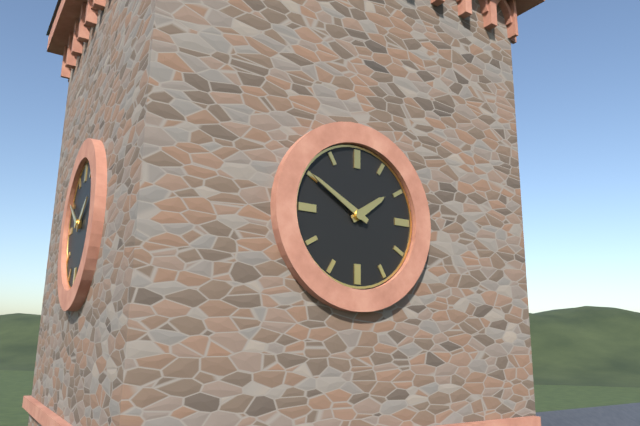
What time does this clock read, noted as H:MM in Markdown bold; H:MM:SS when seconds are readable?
**1:50**
